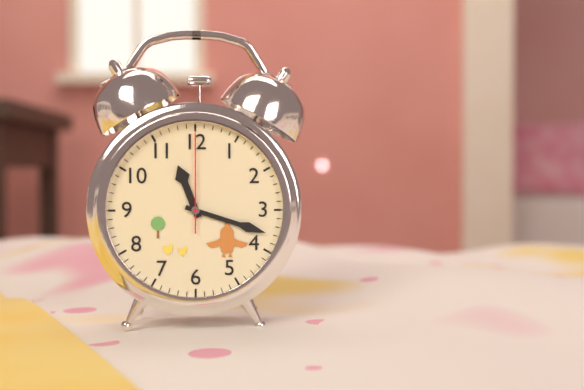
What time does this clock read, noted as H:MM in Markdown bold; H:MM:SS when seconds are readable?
**11:18:00**
